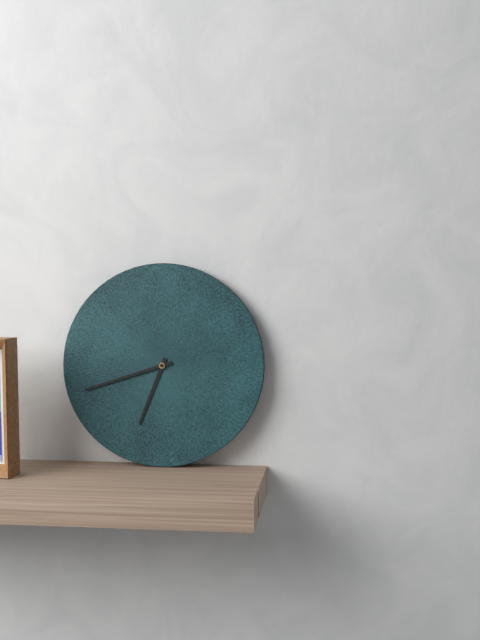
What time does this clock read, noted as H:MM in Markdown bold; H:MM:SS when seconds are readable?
**6:42**
